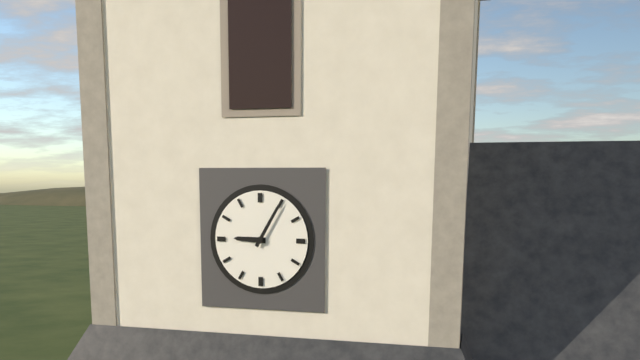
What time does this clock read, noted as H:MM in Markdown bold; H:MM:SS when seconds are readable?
**9:05**
